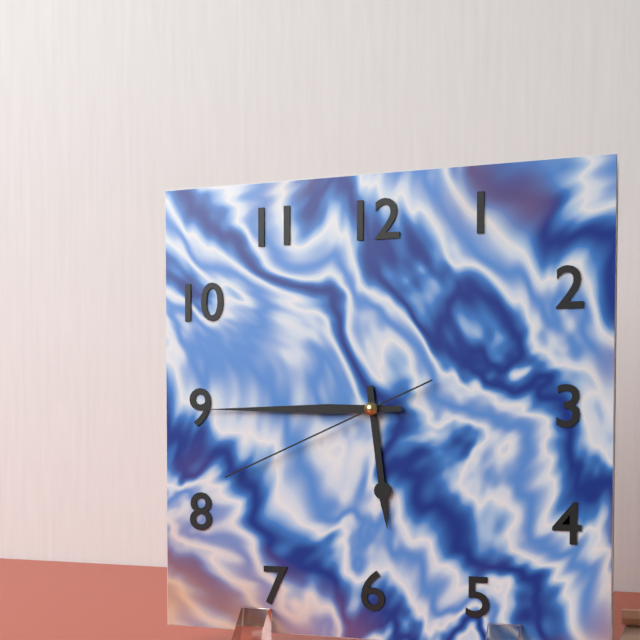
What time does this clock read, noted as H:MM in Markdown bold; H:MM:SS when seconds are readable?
**5:45:41**
